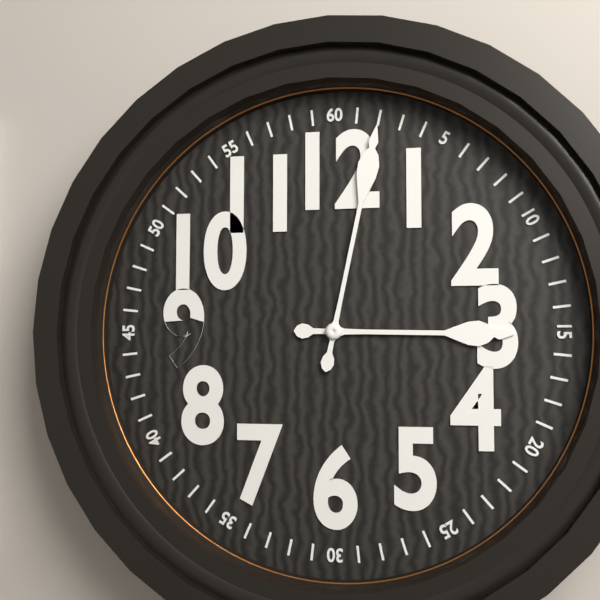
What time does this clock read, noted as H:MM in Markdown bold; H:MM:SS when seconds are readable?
**3:02**
